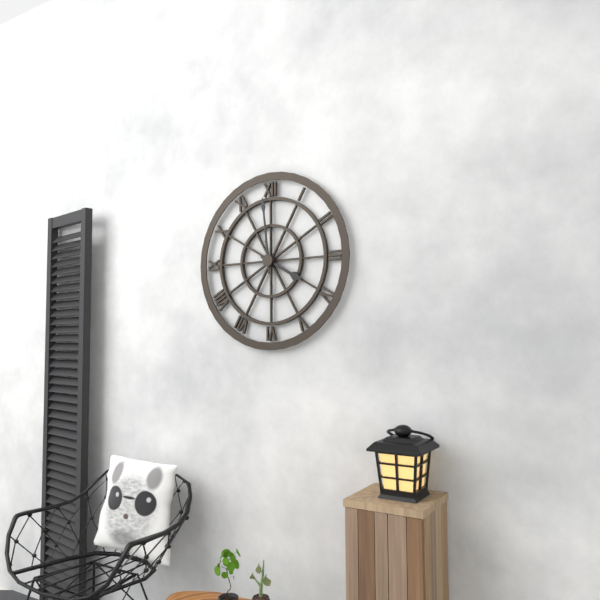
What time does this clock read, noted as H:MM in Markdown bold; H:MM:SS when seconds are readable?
**3:59**
